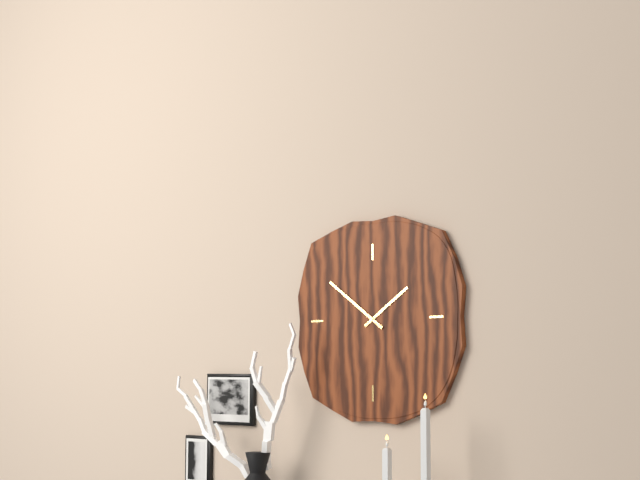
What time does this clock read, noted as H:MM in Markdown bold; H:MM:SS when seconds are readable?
**1:51**
